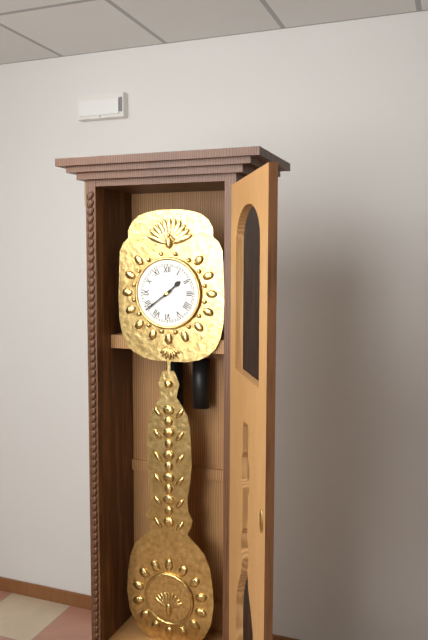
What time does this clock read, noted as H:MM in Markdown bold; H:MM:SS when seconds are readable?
**1:39**
